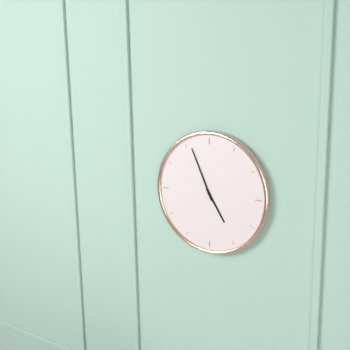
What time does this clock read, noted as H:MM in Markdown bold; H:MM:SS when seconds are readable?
**4:56**
